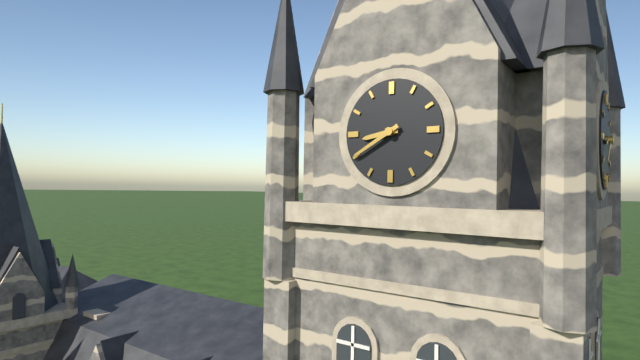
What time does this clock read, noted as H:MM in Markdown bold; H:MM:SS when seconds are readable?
**8:40**
